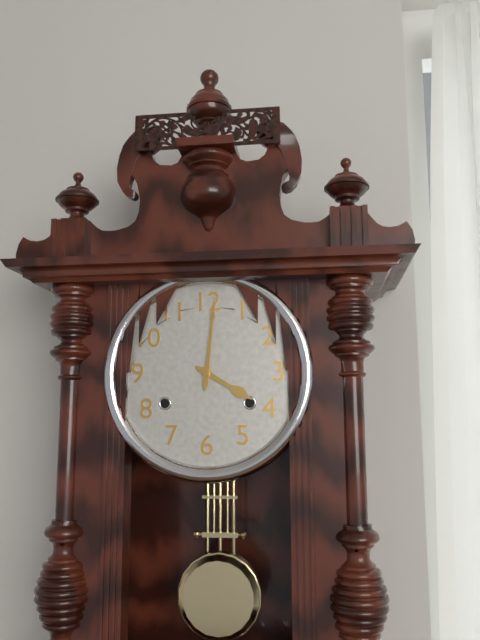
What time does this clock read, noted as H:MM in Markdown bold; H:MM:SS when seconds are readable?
**4:01**
